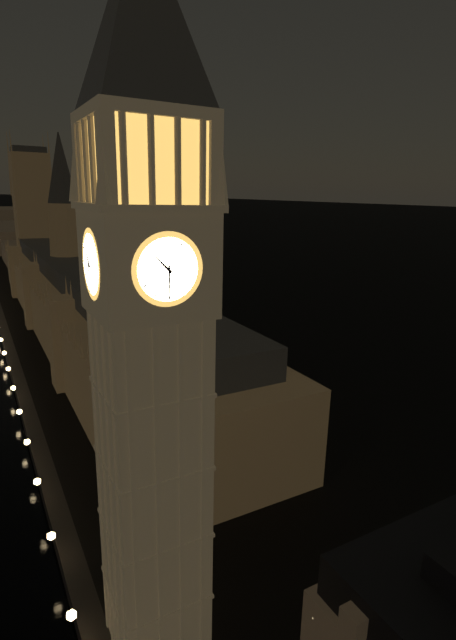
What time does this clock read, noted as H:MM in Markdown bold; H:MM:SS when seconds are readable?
**10:30**
